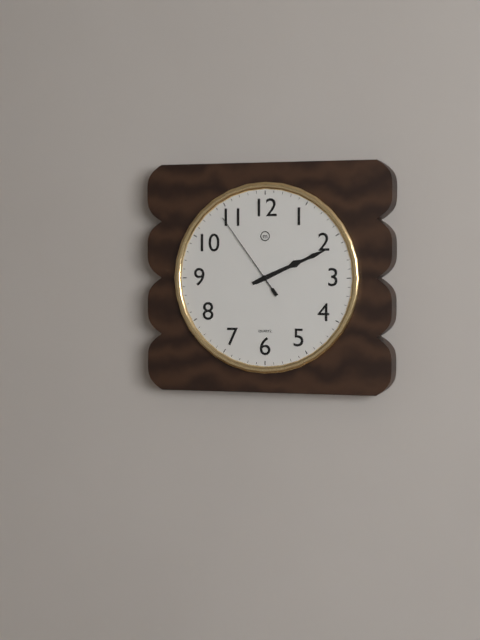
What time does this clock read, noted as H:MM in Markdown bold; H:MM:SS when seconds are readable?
**2:11:54**
